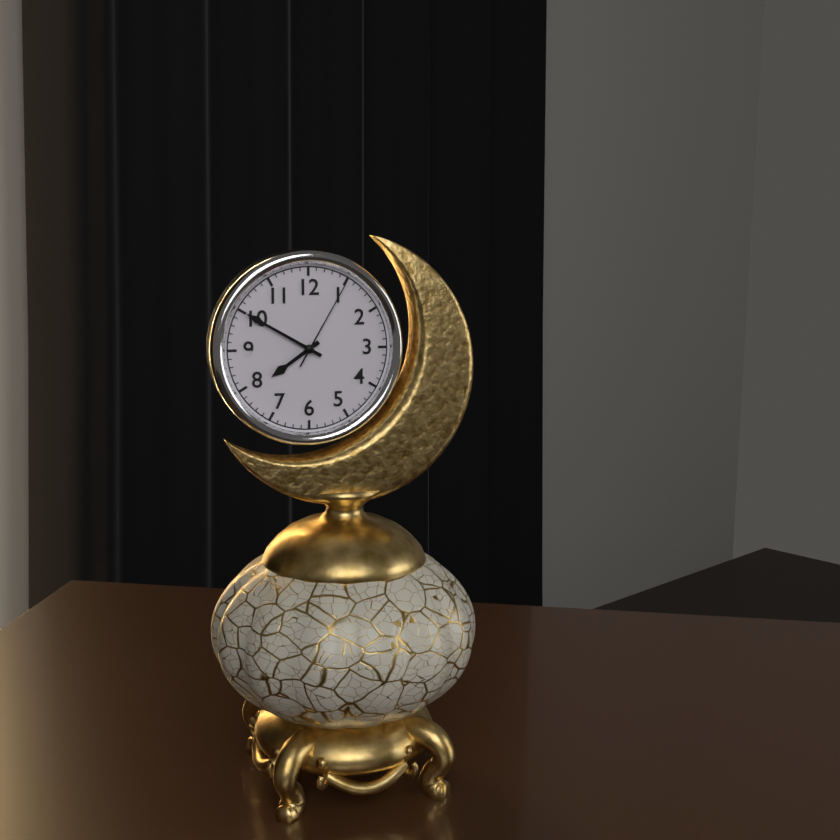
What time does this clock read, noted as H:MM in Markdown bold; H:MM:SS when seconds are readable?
**7:50:05**
